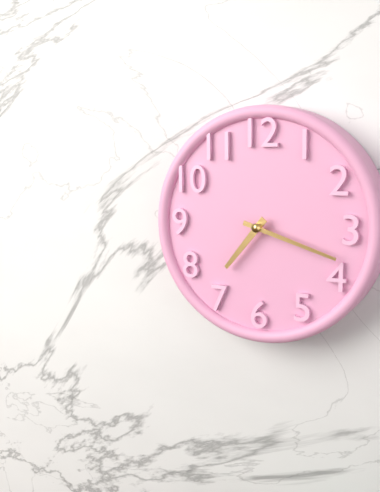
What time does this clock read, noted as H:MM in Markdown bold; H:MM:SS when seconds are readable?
**7:18**
